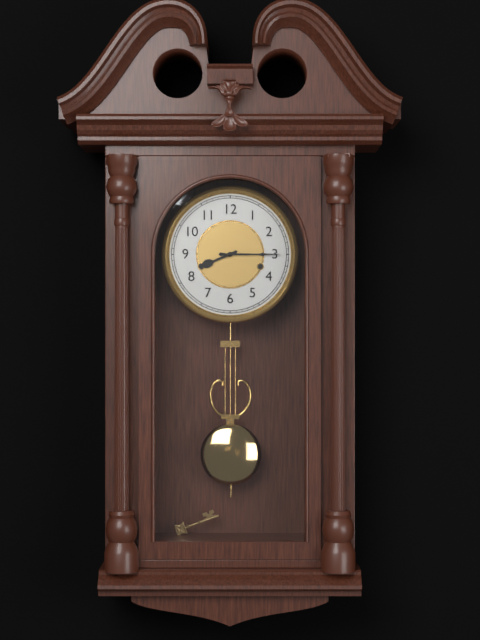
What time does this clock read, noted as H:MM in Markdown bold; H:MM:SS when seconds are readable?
**8:15**
